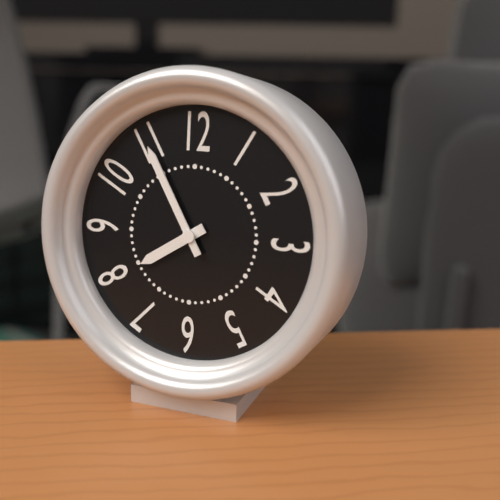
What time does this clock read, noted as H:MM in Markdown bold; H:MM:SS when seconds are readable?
**7:55**
